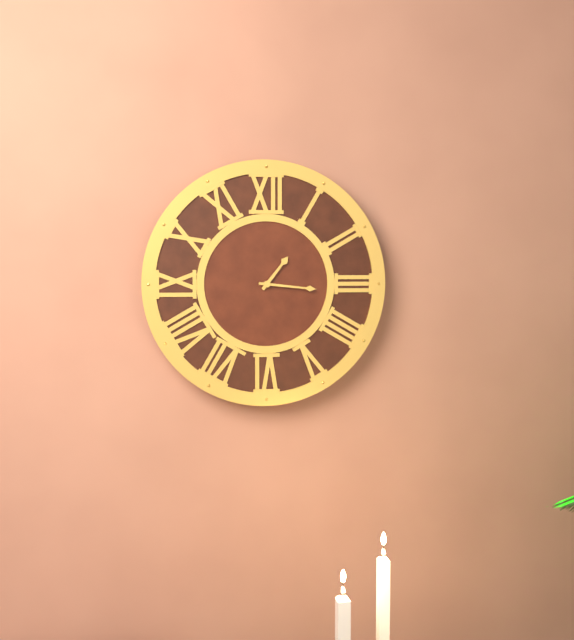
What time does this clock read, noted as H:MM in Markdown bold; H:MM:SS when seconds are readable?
**1:16**
